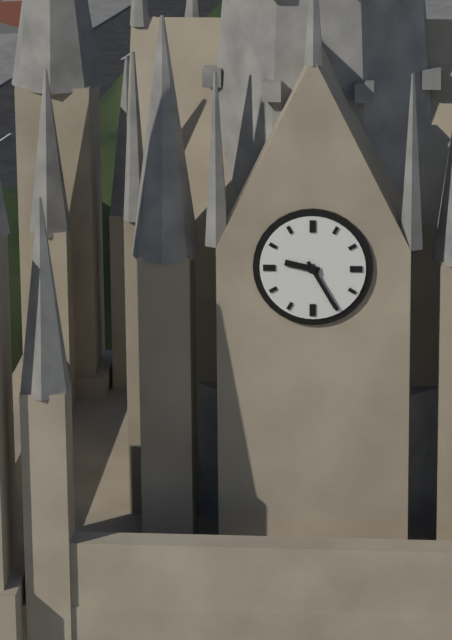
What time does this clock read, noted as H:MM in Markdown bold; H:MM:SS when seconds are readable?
**9:25**
